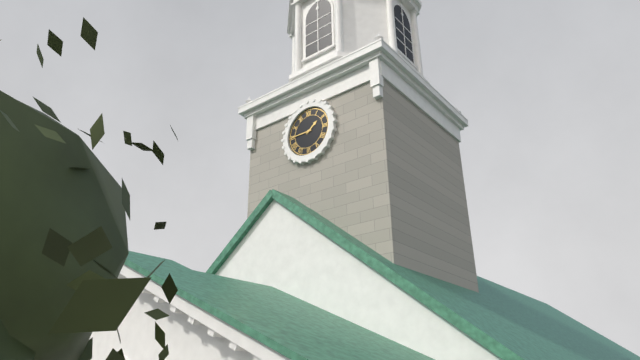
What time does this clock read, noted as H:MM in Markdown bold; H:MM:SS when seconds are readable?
**1:45**
